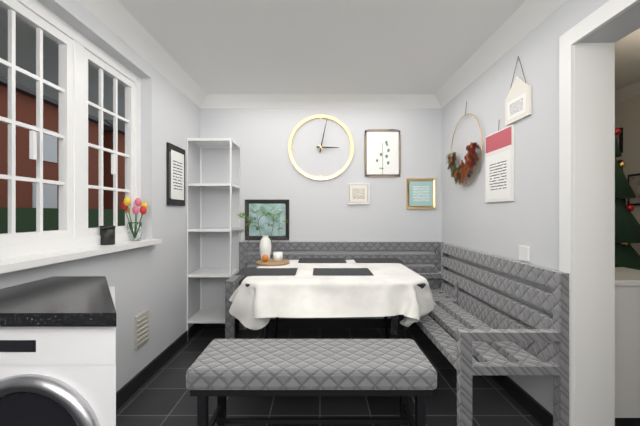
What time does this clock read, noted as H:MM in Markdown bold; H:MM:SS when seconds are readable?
**3:02**
